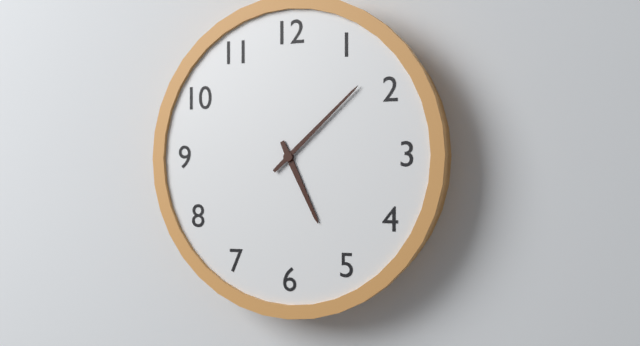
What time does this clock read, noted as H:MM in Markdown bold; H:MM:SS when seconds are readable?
**5:08**
